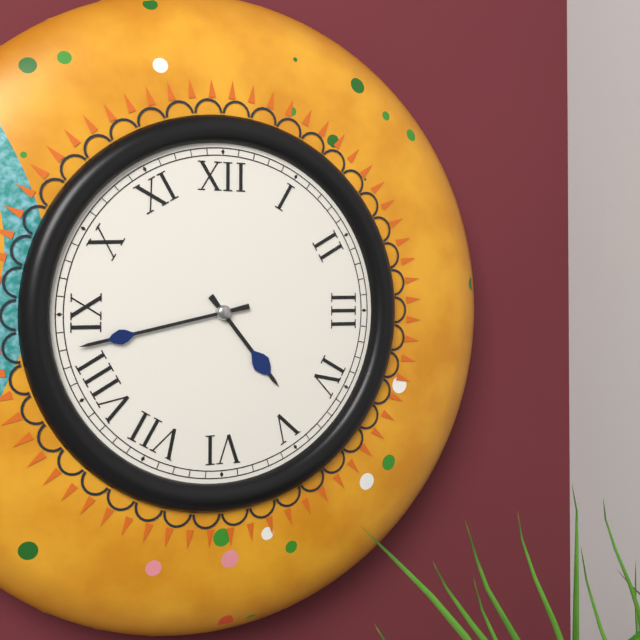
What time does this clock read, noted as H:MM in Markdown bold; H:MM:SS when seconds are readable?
**4:43**
